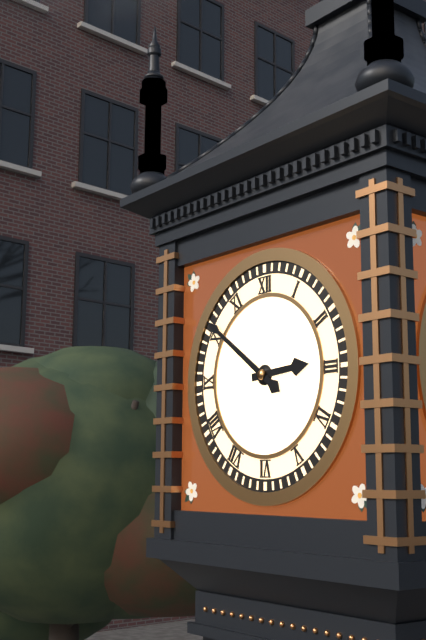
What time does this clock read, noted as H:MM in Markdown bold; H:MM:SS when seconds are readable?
**2:51**
